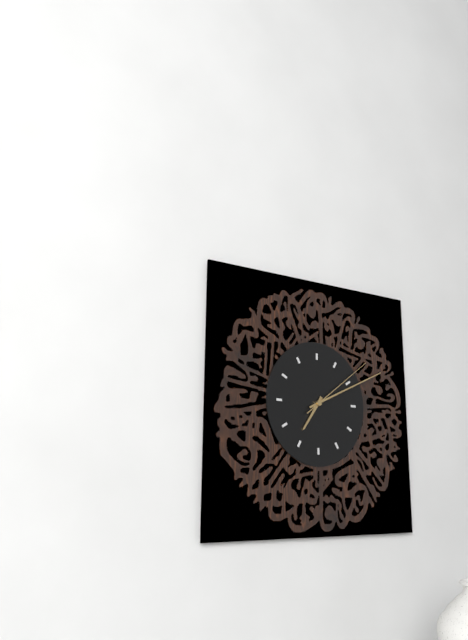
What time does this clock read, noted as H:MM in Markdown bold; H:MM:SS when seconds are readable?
**7:11:09**
